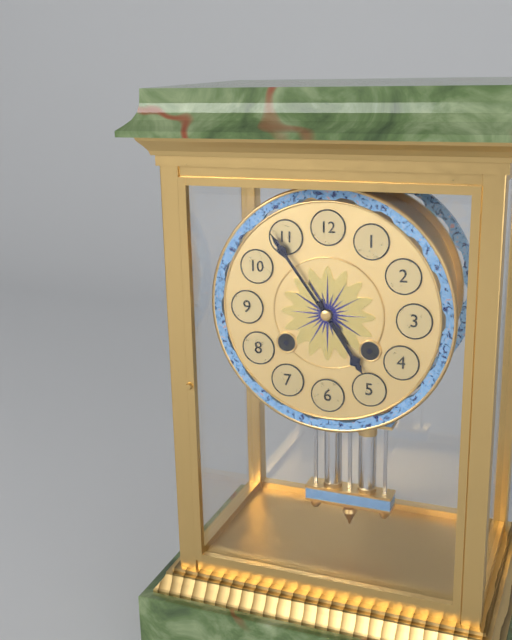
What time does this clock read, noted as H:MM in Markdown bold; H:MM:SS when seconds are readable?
**4:54**
